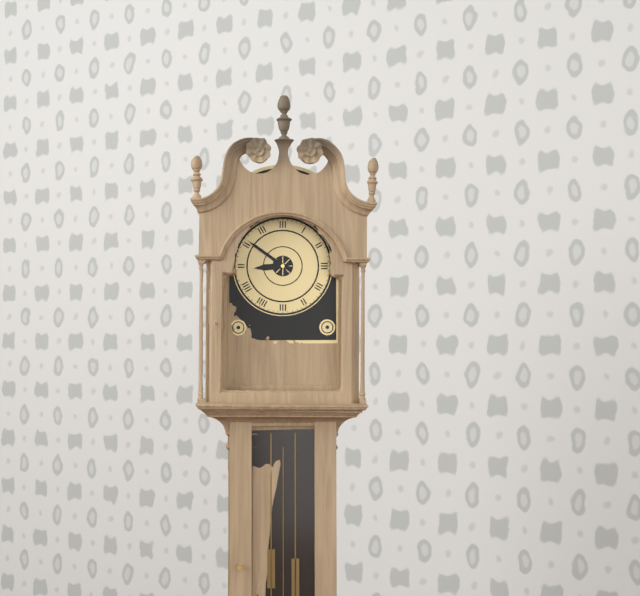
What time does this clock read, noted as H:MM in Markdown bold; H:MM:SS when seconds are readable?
**8:51**
